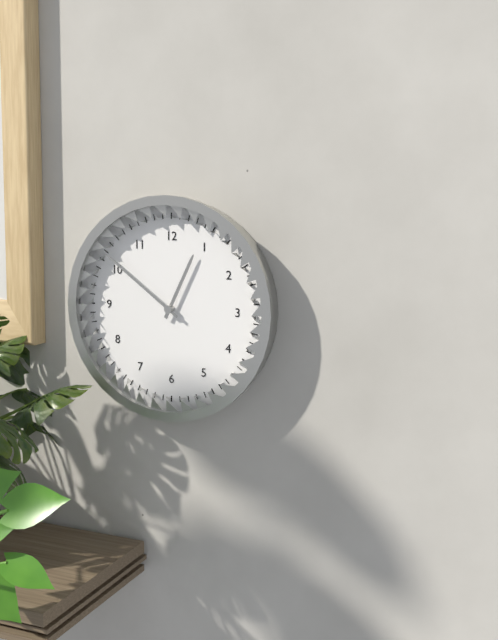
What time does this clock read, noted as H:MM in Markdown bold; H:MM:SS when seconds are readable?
**12:51**
